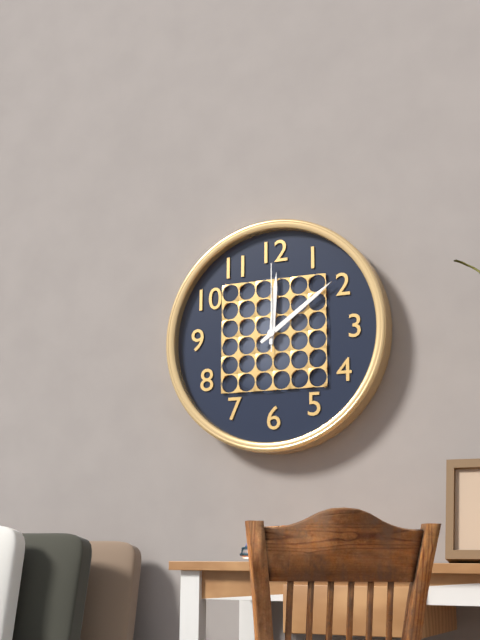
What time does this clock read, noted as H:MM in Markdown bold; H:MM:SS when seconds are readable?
**12:09:00**
